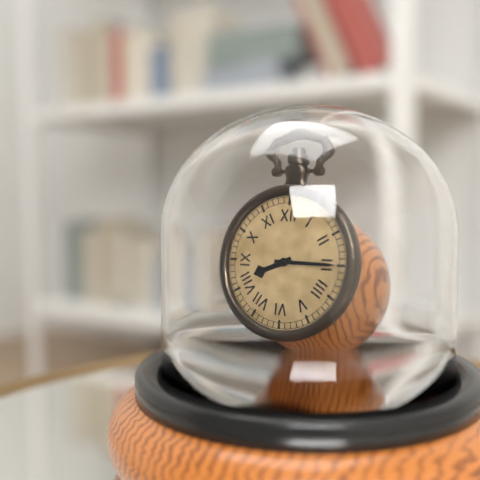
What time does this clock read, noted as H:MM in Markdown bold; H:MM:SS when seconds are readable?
**8:15**
